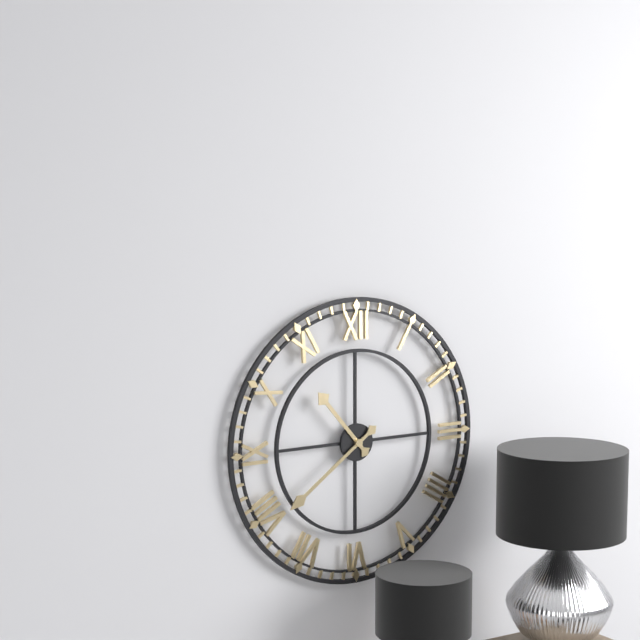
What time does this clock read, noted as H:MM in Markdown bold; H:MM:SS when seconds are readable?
**10:39**
